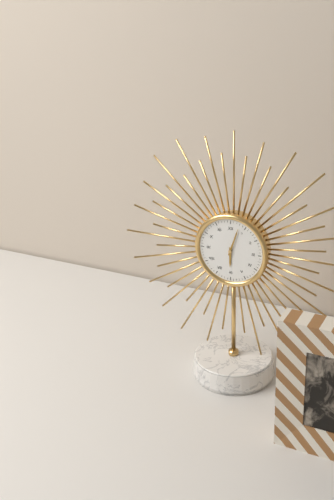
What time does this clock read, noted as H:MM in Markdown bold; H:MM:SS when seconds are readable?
**6:03**
